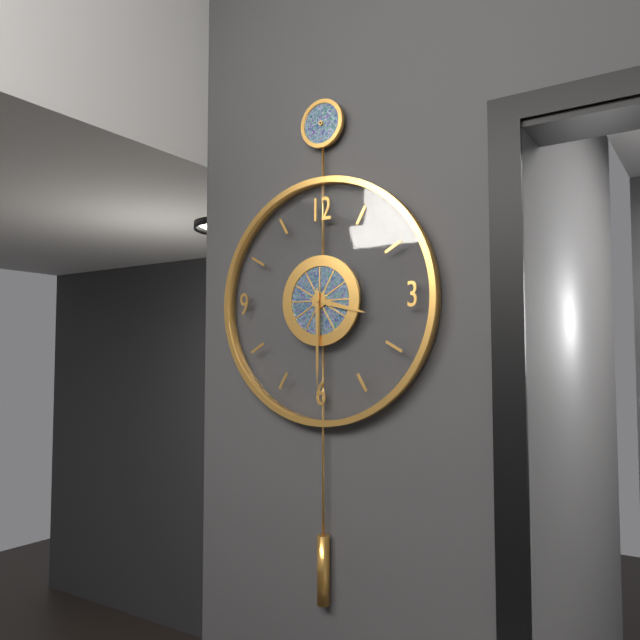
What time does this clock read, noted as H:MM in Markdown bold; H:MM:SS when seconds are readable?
**3:30**
